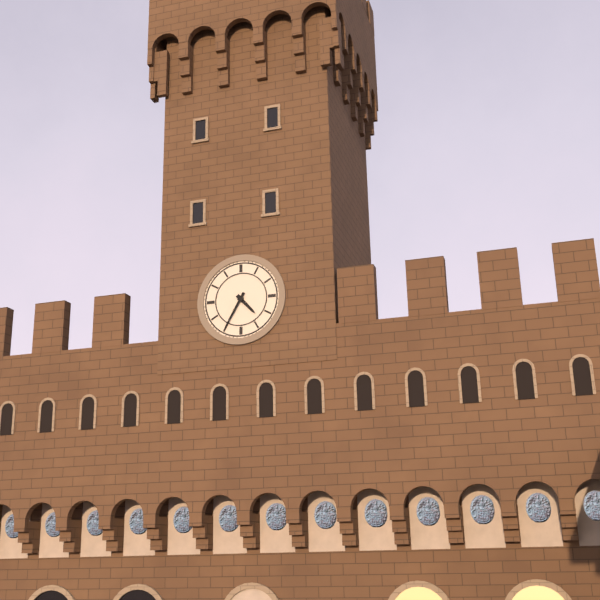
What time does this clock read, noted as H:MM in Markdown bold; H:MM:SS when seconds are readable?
**4:35**
